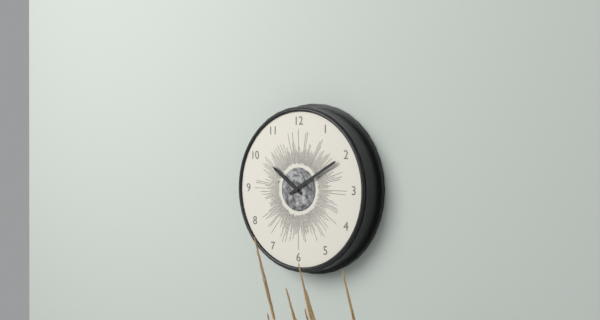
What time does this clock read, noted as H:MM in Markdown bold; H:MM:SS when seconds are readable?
**10:10**
